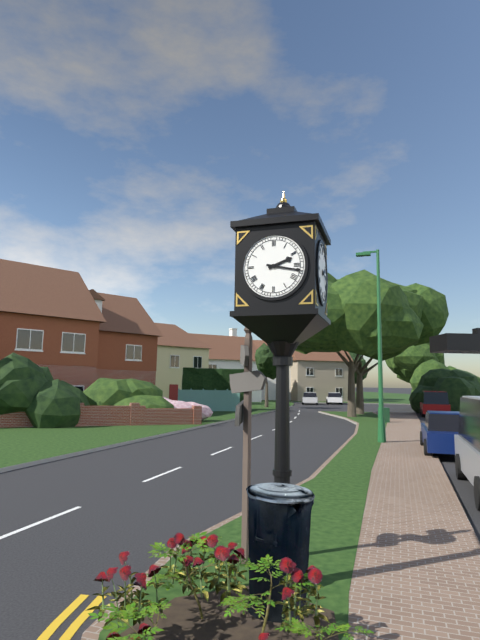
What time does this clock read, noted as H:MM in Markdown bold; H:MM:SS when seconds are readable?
**2:17**
